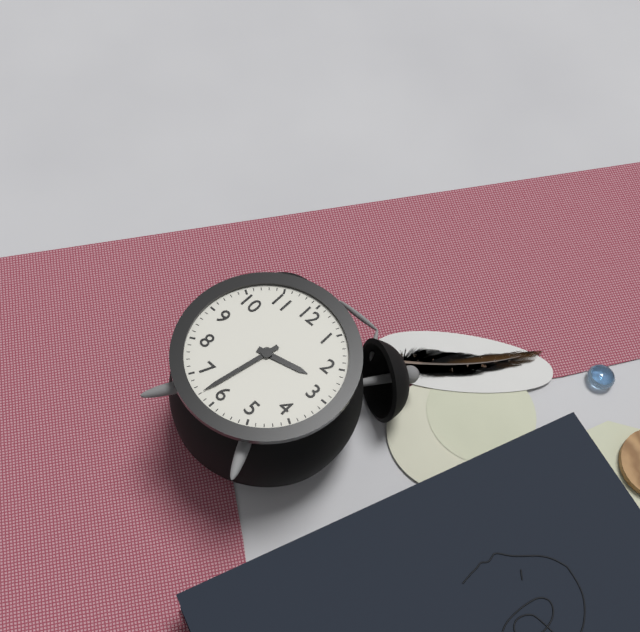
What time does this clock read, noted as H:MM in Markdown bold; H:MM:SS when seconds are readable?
**2:32**
